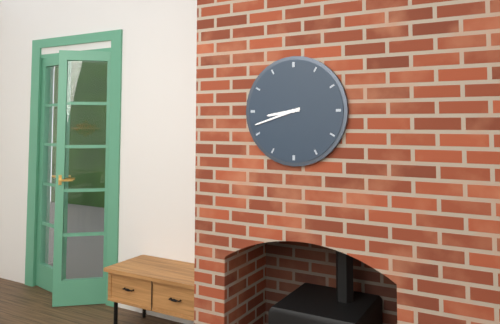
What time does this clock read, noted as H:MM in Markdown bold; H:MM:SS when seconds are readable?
**8:42**
